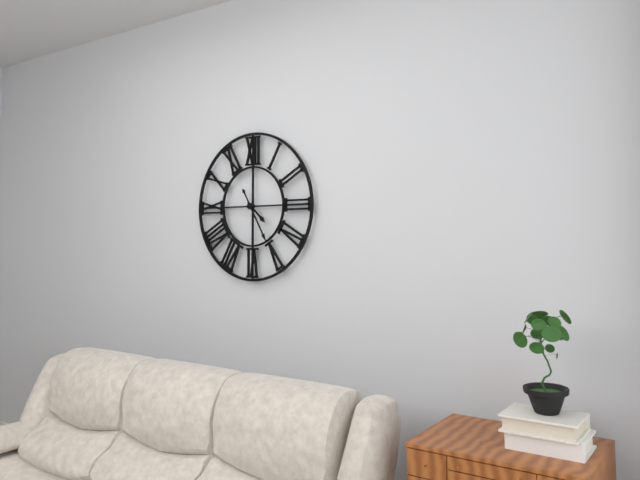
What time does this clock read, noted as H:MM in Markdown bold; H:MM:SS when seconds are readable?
**4:25**
